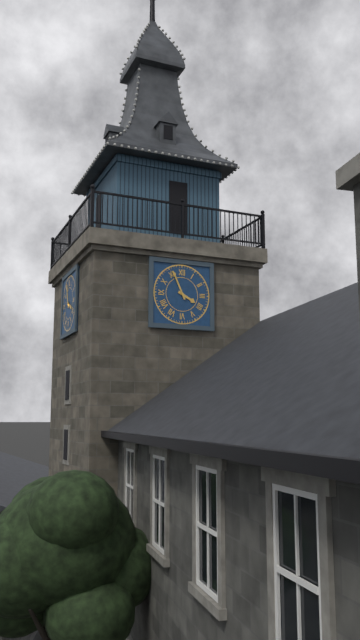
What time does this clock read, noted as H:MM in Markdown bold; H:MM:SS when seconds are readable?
**3:56**
